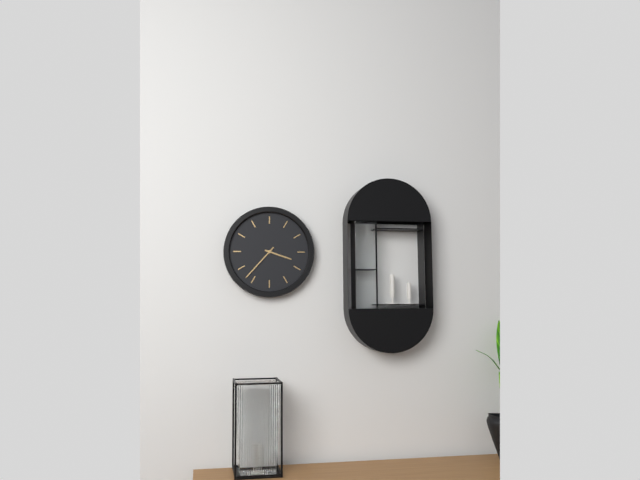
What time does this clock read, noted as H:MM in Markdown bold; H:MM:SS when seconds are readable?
**3:37**
